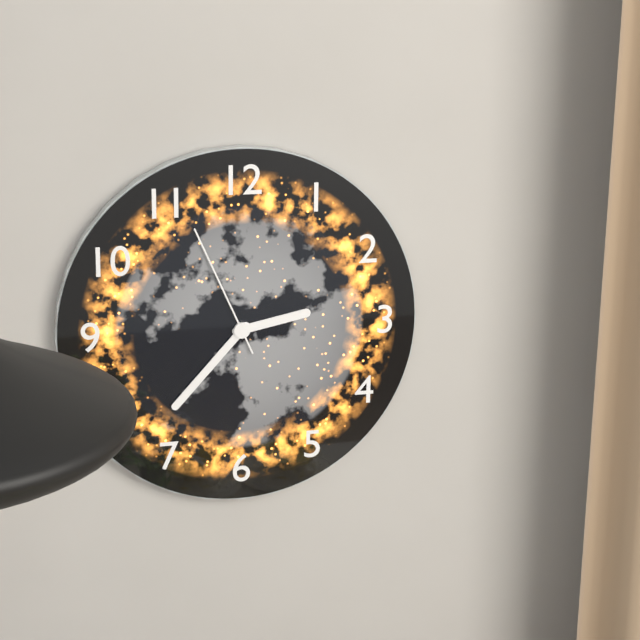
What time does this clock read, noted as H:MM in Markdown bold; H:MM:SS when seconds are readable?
**2:37:56**
